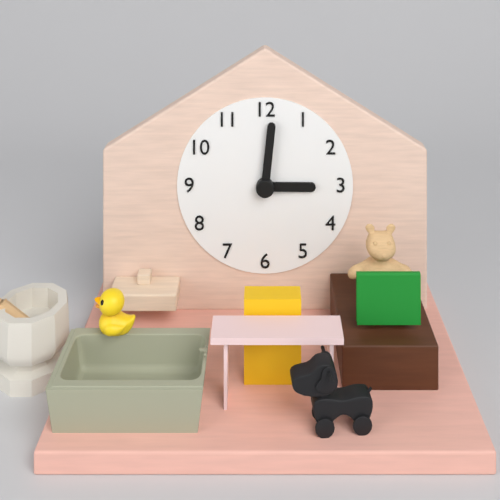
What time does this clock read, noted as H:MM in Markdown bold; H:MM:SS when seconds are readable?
**3:01**
